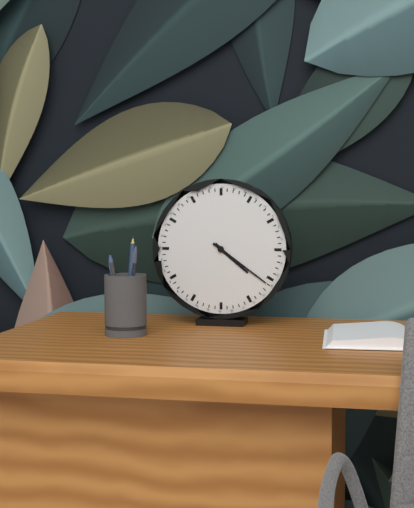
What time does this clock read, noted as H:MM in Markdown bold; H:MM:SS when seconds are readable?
**4:21**
